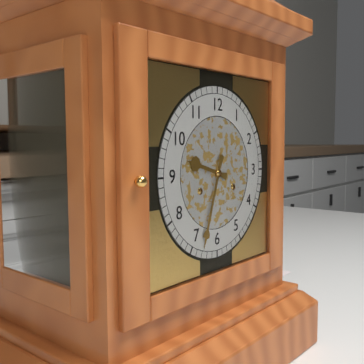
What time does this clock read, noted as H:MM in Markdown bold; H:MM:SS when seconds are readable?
**9:33**
